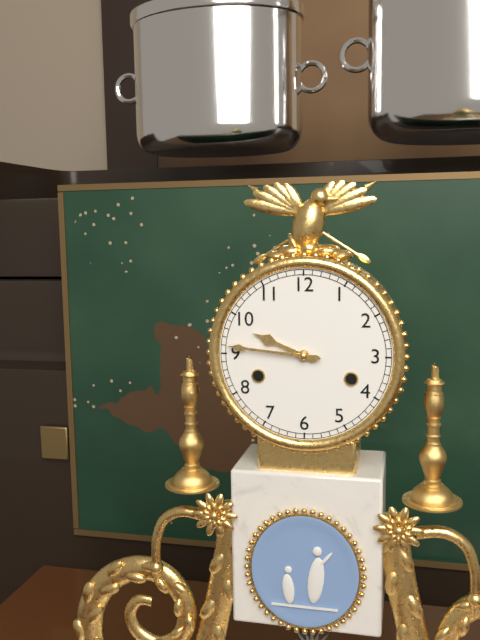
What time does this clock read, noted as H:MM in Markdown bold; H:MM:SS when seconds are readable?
**9:46**
